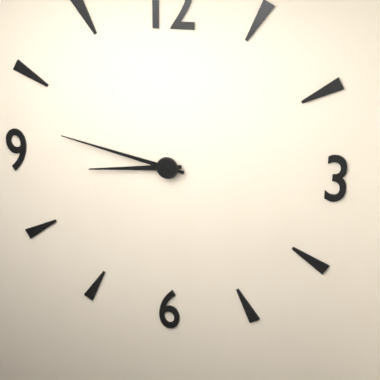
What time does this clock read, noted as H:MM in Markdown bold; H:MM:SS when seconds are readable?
**8:47**
